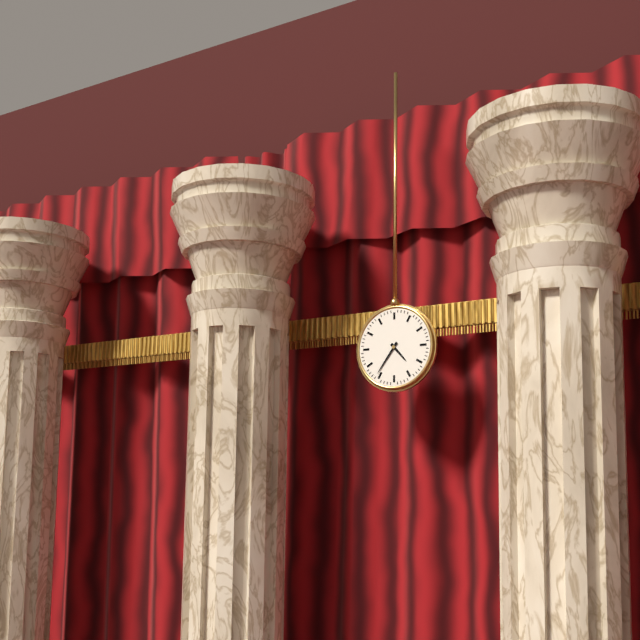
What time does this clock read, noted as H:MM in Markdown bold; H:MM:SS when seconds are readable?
**4:36**
